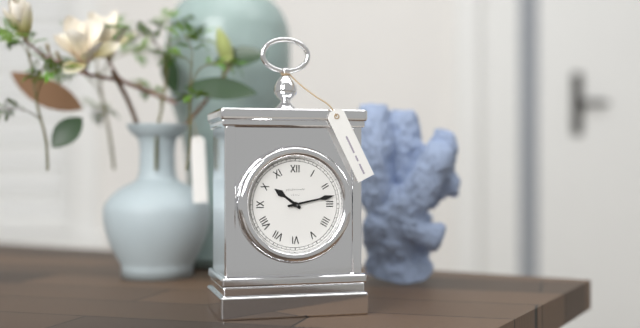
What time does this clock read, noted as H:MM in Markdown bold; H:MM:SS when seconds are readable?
**10:13**
